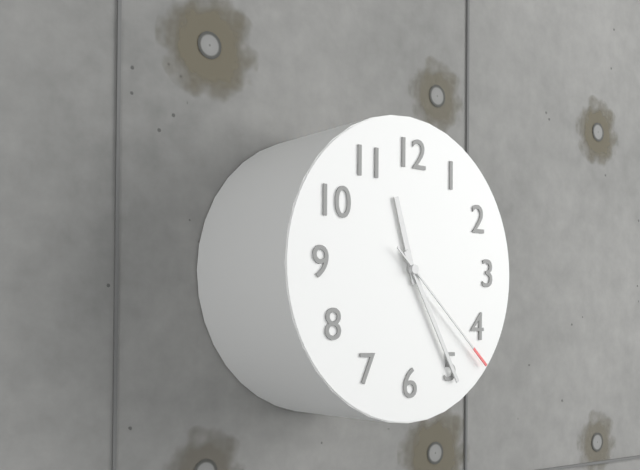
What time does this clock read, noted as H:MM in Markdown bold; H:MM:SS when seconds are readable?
**11:25:22**
